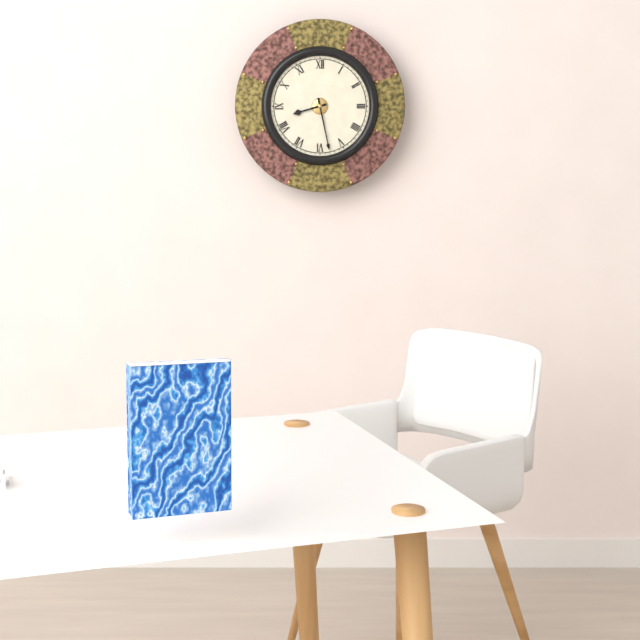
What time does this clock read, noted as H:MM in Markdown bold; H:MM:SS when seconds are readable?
**8:28**
